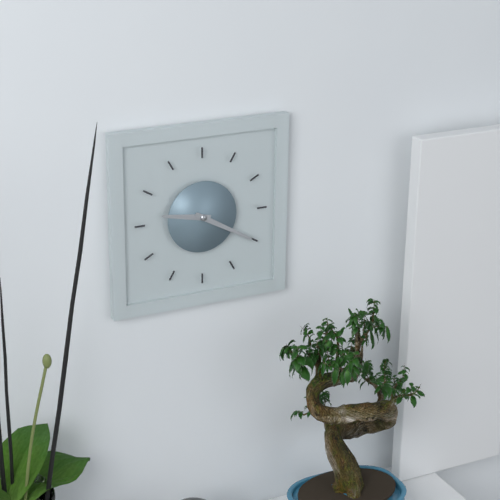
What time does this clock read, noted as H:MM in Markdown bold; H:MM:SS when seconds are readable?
**9:20**
